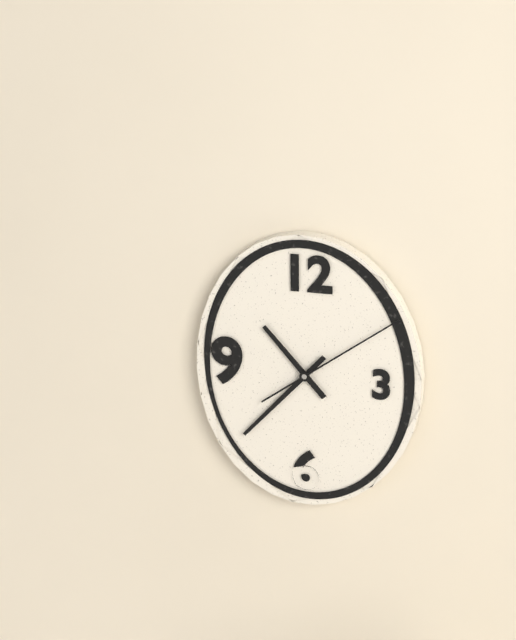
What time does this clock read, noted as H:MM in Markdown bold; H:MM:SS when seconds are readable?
**10:37:09**
